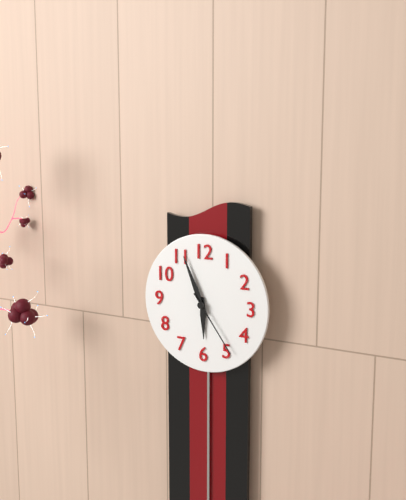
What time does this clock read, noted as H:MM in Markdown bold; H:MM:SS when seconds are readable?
**5:56:24**
